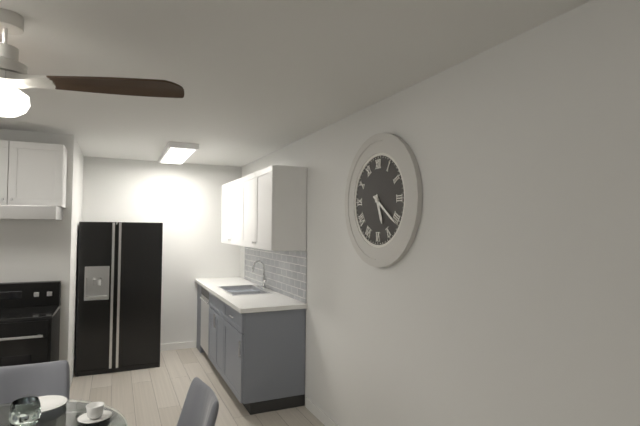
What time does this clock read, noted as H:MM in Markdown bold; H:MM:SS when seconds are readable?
**5:21**
